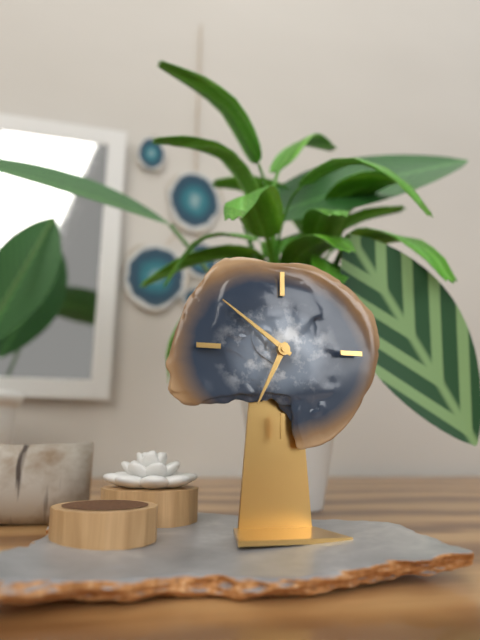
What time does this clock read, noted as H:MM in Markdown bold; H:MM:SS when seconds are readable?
**6:51**
